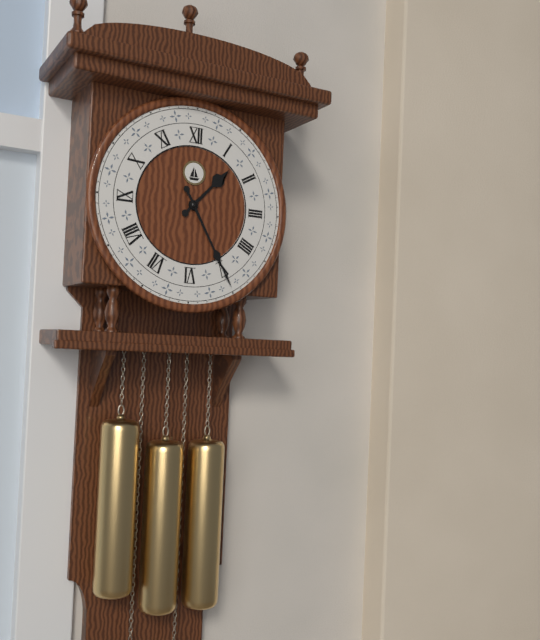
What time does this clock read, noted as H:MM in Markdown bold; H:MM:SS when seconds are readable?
**1:25**
